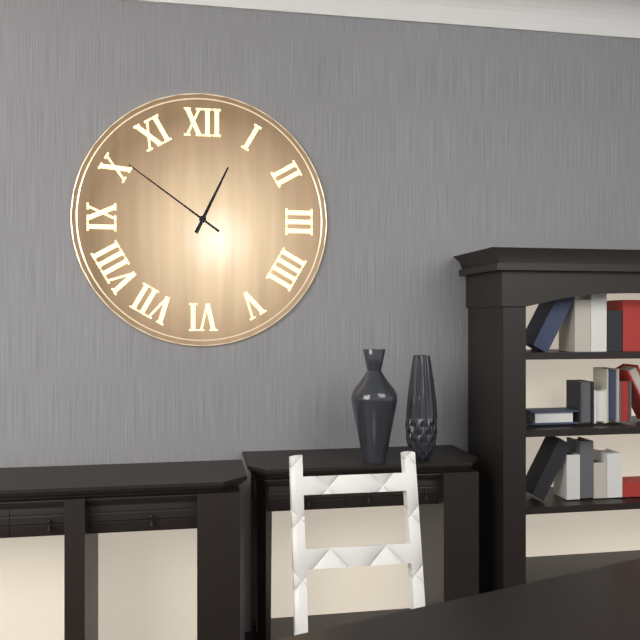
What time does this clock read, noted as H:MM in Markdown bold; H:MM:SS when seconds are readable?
**12:51**
